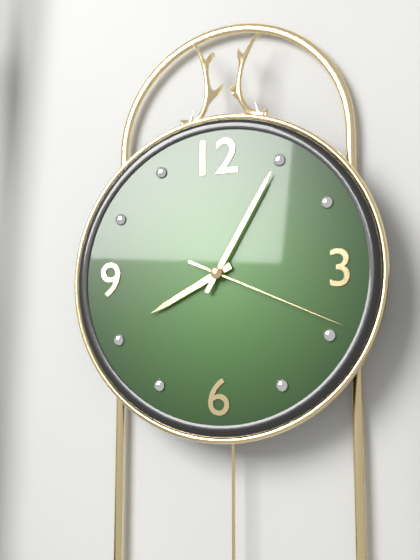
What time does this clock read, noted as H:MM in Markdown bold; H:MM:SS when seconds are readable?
**8:05:19**
